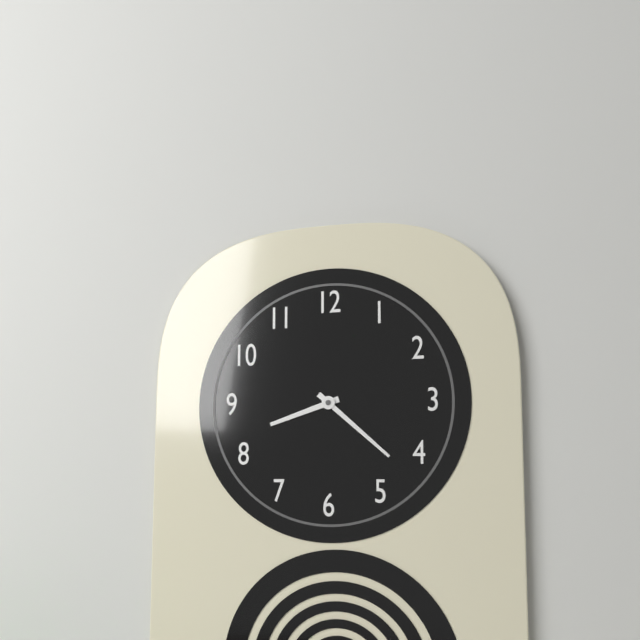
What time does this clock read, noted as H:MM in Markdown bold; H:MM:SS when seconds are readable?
**8:22**
